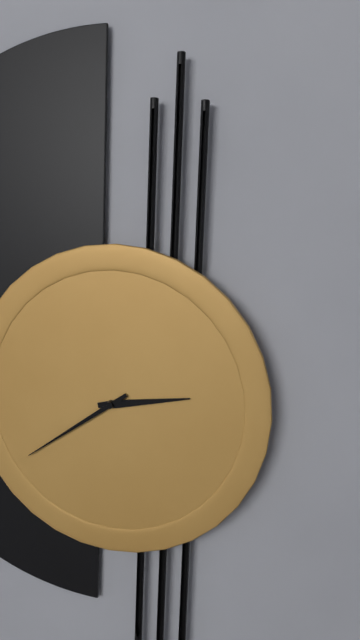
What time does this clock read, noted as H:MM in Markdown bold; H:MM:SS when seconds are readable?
**2:39**
